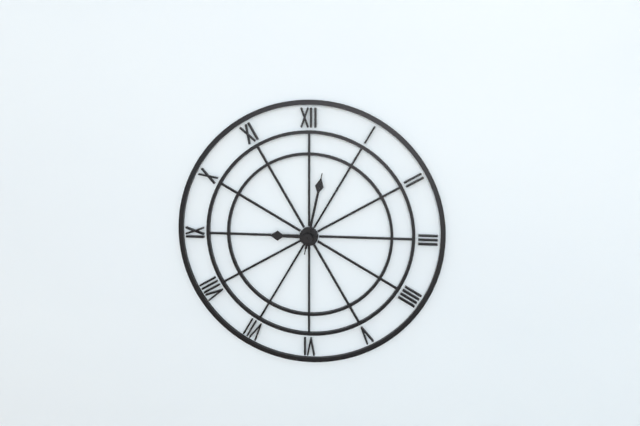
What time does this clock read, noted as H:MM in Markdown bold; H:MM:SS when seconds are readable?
**9:02:02**
